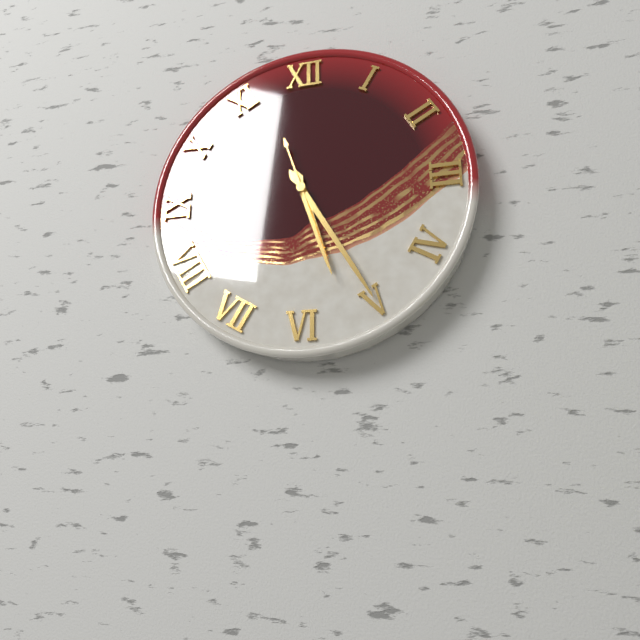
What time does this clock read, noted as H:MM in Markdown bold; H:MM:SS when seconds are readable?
**5:25:27**
